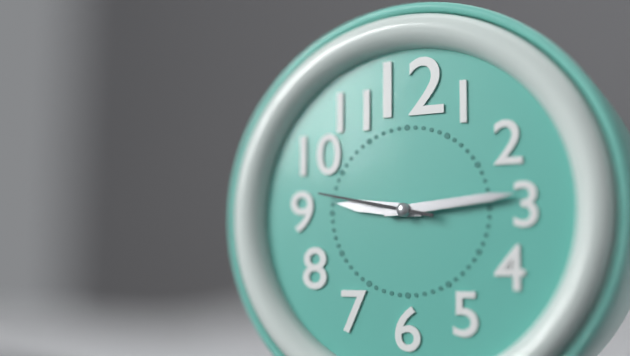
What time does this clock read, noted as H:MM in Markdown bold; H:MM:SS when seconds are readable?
**9:14:47**
